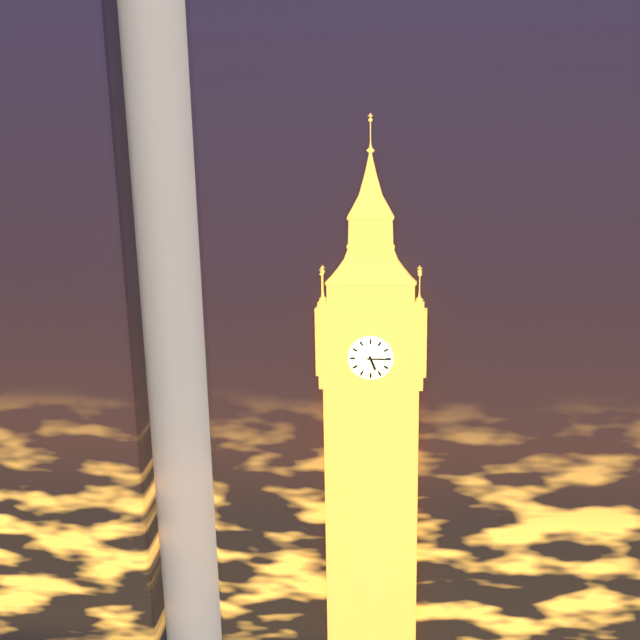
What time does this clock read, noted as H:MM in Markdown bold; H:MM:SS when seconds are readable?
**5:15**
